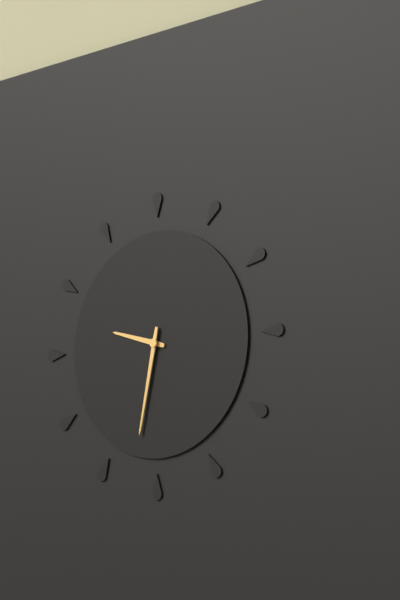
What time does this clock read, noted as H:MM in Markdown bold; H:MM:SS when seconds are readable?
**9:32**
